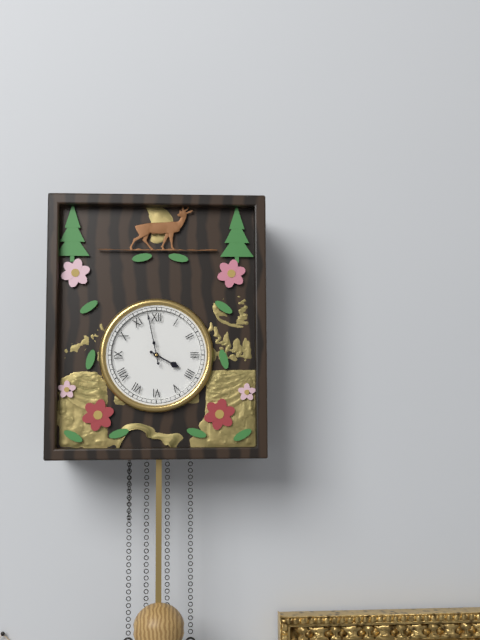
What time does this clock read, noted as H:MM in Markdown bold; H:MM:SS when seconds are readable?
**3:58**
